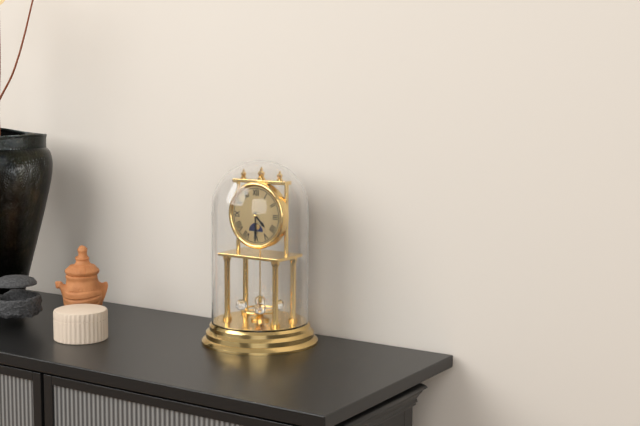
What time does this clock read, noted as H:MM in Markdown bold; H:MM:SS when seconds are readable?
**4:30**
